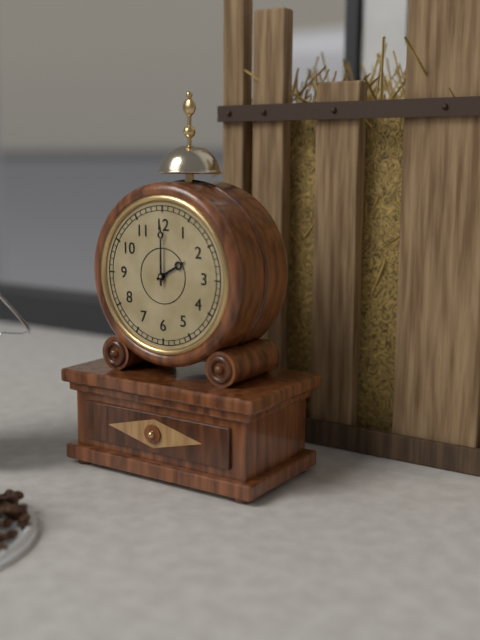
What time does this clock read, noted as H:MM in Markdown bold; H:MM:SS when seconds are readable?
**2:00**
